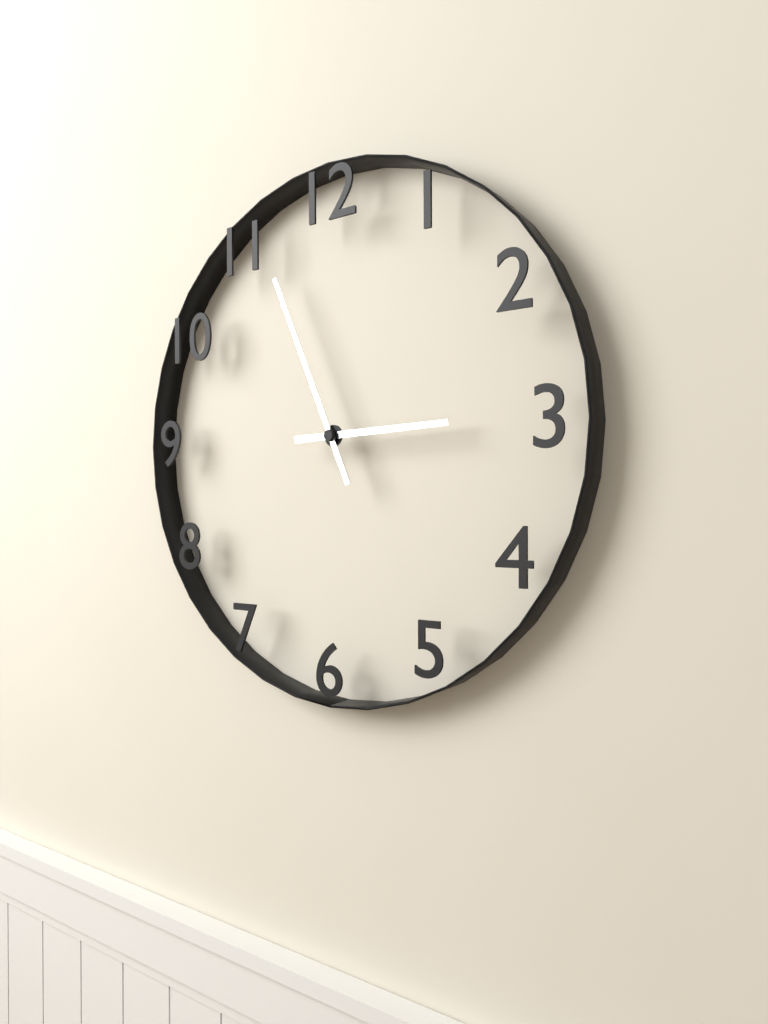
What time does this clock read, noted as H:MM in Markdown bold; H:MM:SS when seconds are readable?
**2:56**
